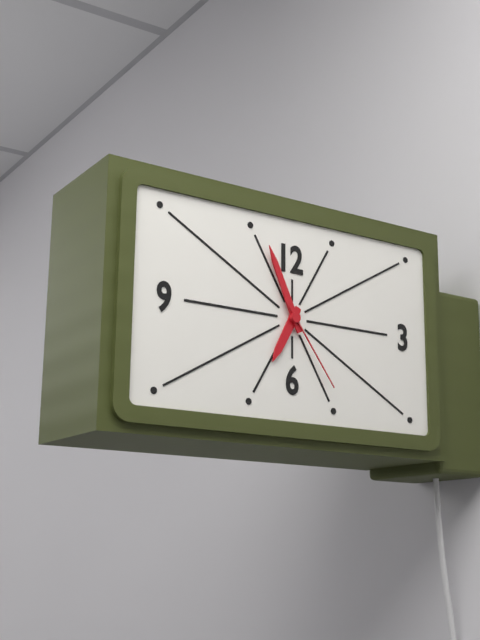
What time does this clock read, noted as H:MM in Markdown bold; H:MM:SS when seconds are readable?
**6:56:24**
